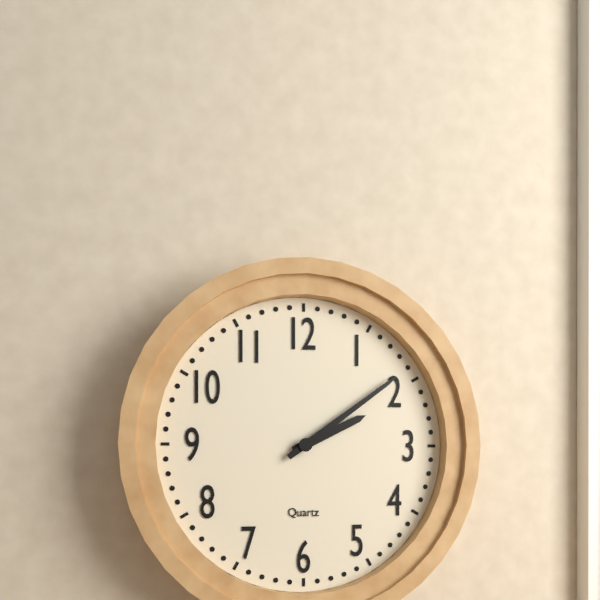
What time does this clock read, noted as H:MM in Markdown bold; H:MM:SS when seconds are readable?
**2:09**
